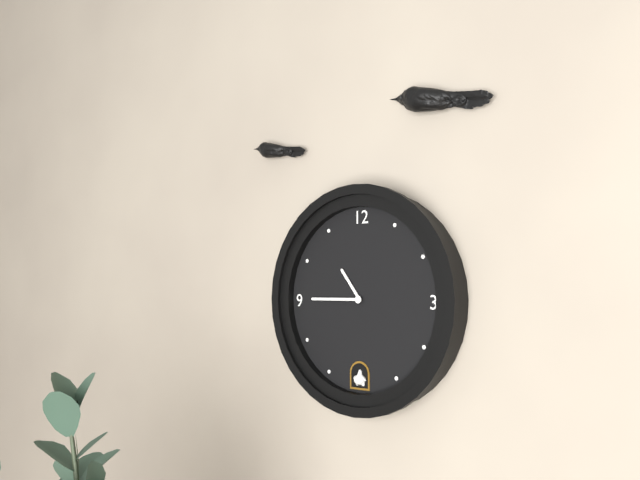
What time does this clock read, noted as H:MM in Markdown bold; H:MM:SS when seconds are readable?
**10:45**
